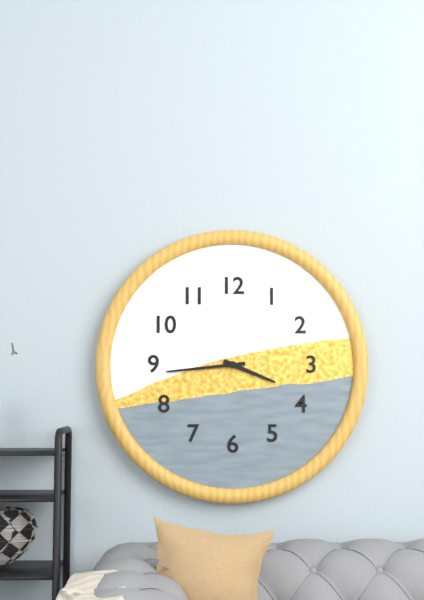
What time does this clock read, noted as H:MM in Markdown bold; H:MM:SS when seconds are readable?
**3:44**
